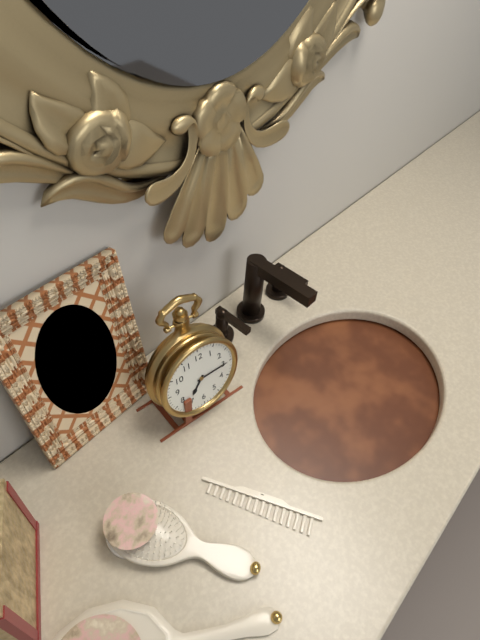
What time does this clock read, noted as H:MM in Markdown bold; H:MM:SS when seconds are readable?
**7:15**
